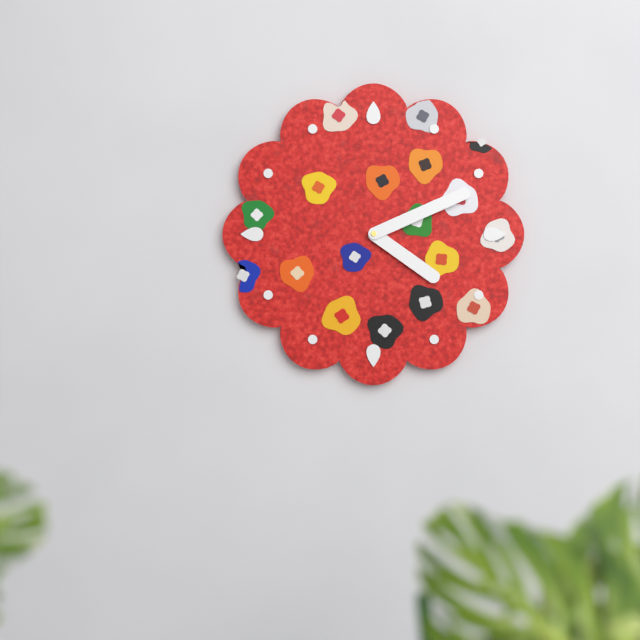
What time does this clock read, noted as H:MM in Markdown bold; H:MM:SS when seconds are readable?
**4:11**
